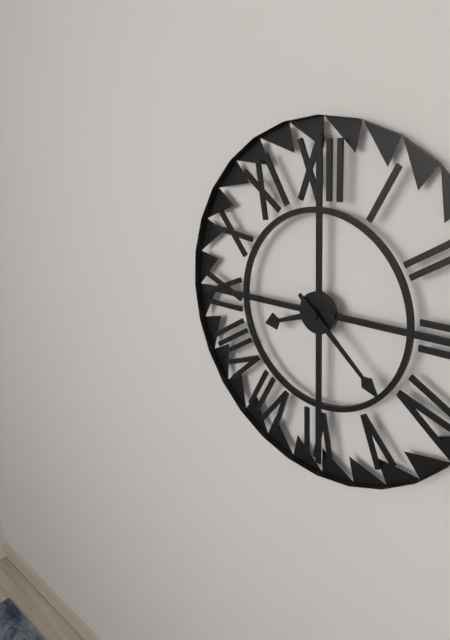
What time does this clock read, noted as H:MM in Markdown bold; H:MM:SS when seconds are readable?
**8:22**
